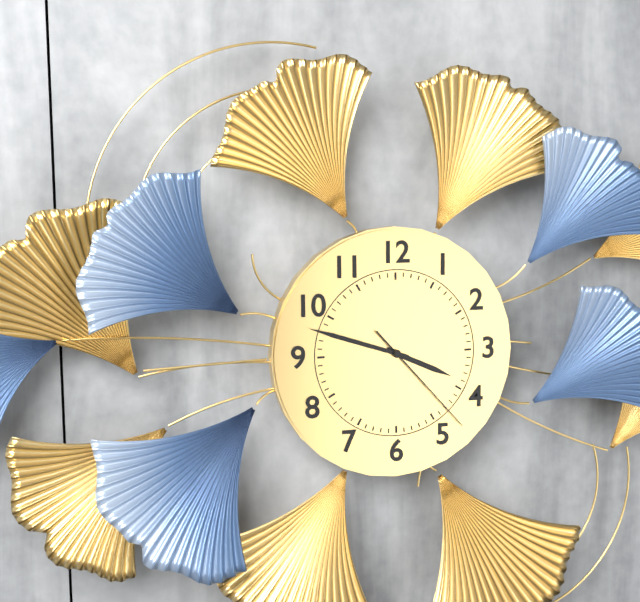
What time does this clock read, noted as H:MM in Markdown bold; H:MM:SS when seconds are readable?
**3:48:23**
